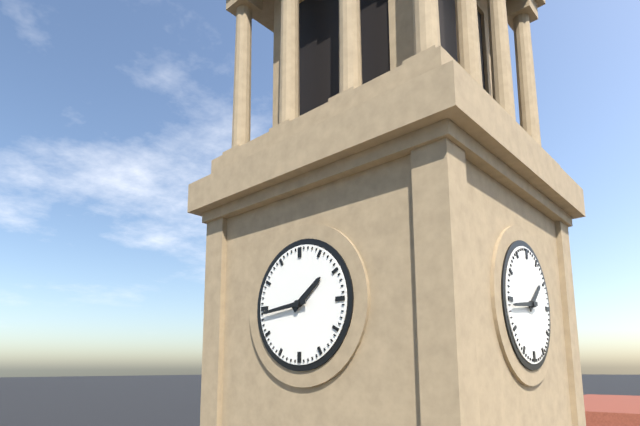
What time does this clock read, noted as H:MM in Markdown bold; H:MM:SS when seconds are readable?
**1:44**
